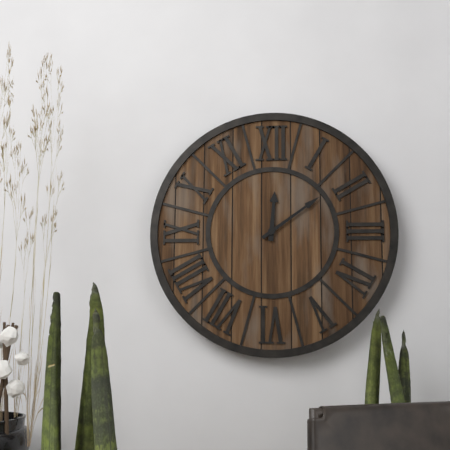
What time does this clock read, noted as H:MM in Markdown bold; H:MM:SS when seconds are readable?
**12:09**
